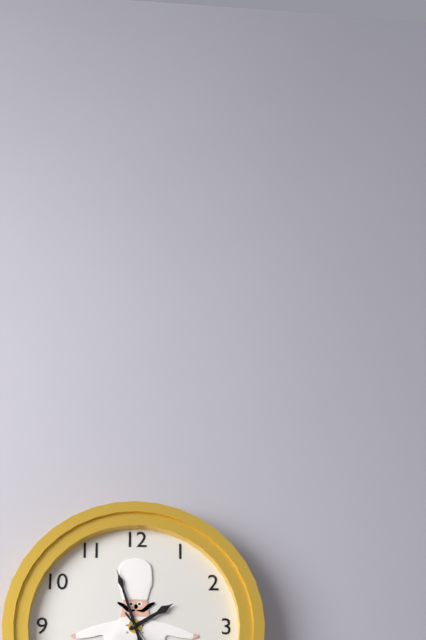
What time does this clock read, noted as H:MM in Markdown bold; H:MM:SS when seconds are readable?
**1:57**
